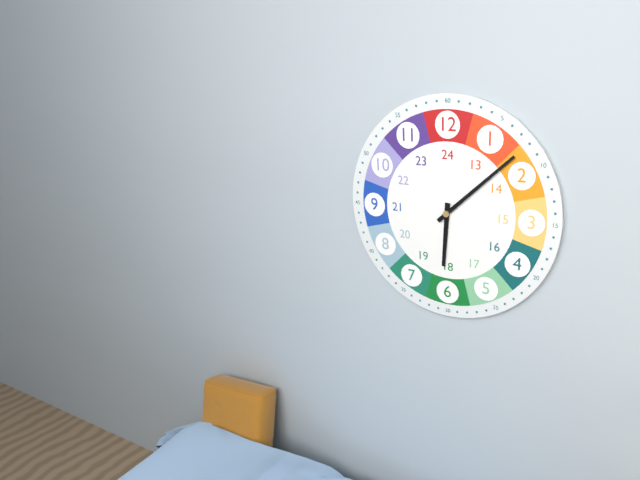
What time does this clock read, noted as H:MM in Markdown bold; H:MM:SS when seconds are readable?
**6:08**
